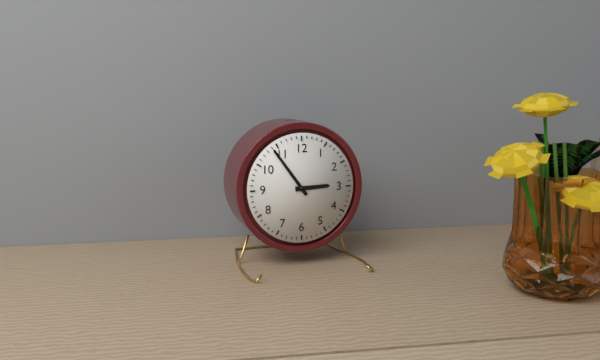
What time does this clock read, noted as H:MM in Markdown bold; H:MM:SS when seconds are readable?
**2:54**
